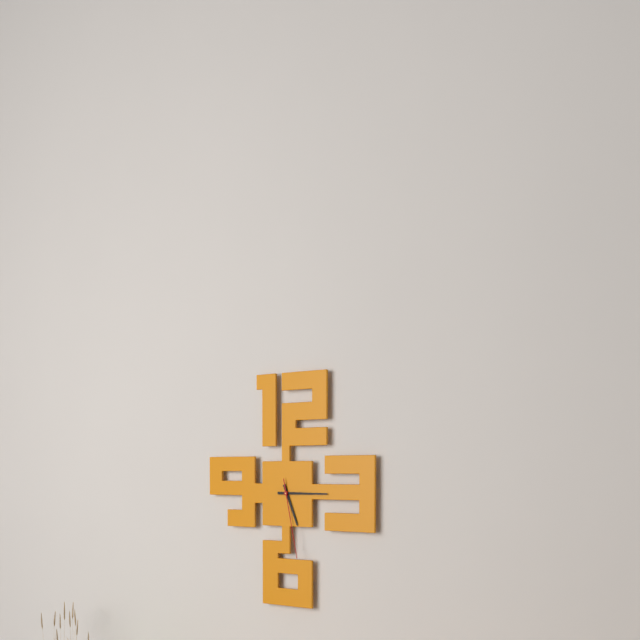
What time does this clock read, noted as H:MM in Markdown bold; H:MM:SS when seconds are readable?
**5:15:28**
